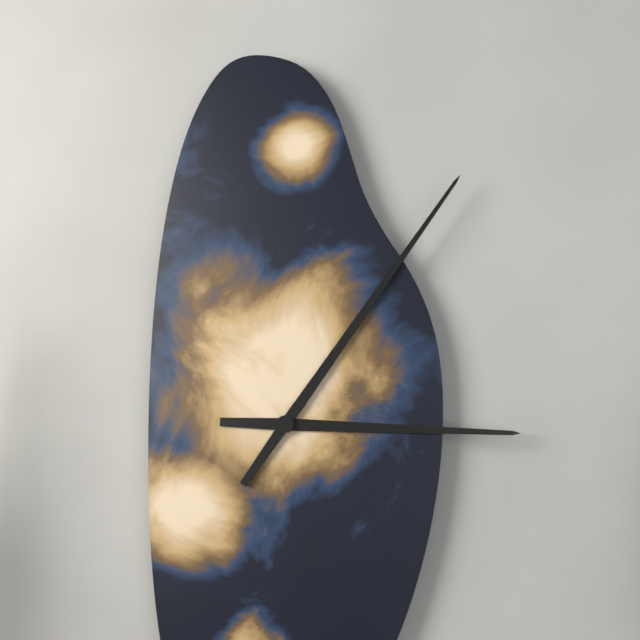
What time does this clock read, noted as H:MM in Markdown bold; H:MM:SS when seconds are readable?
**3:06**
